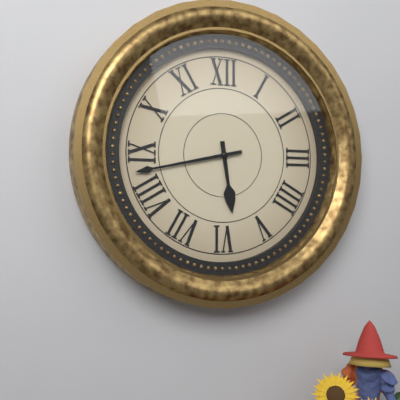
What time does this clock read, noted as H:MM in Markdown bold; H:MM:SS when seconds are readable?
**5:43**
